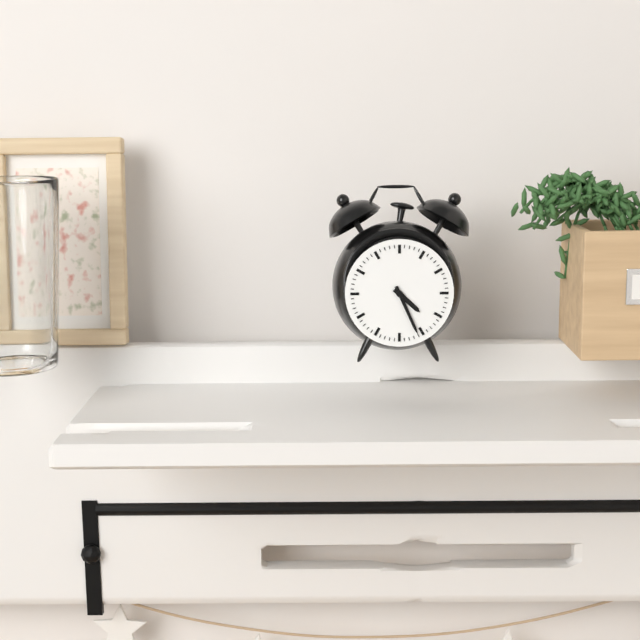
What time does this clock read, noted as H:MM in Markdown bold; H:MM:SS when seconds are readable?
**4:26**
